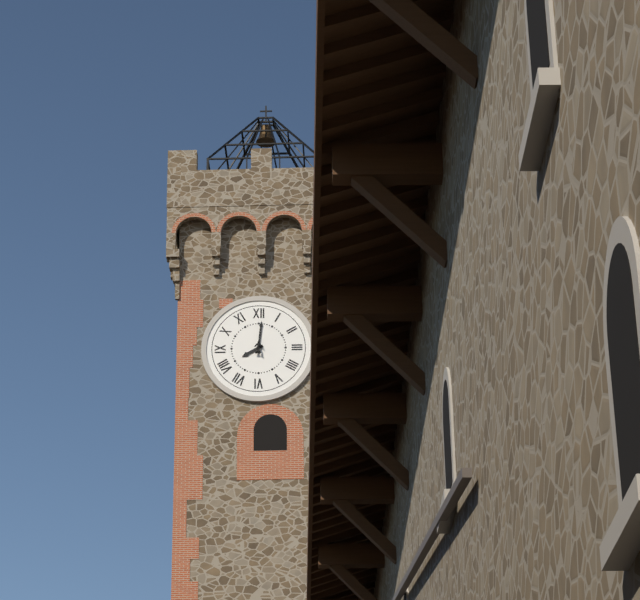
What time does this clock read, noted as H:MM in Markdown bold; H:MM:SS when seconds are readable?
**8:01**
